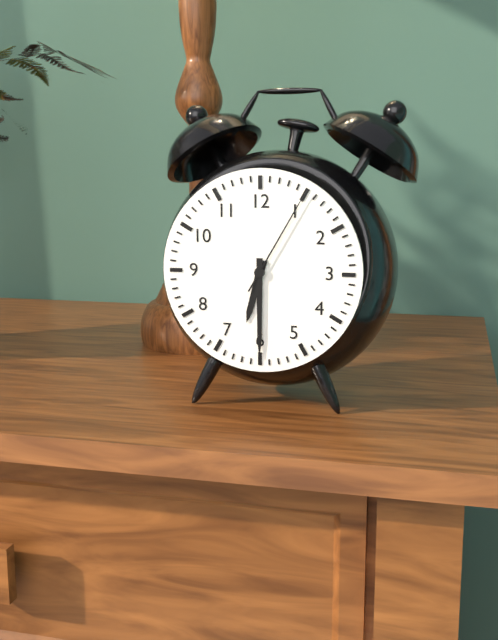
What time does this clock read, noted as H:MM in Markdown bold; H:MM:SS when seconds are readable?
**6:30:05**
